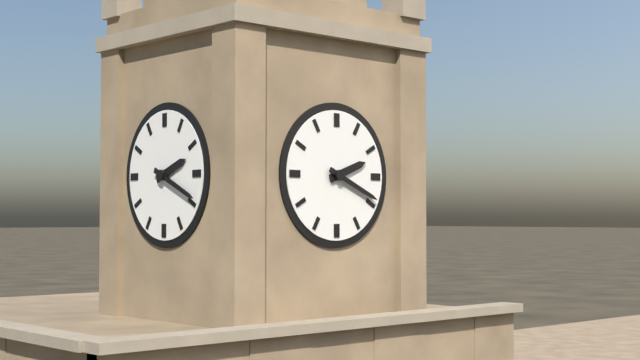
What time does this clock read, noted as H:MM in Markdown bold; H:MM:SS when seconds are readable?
**2:19**
